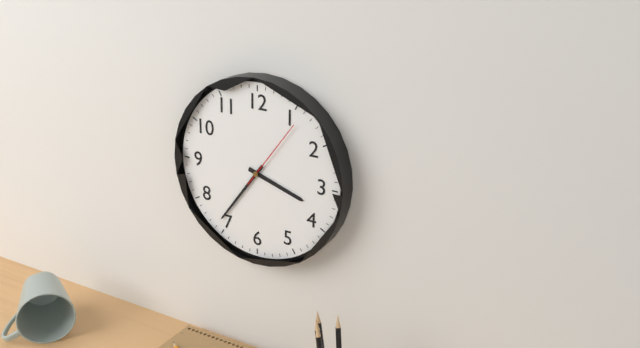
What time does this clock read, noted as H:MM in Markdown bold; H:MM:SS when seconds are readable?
**3:36:06**
